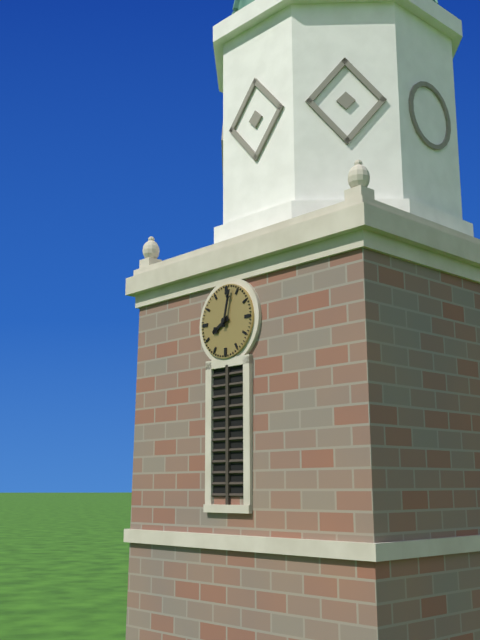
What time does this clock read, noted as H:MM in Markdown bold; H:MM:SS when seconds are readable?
**8:02**
